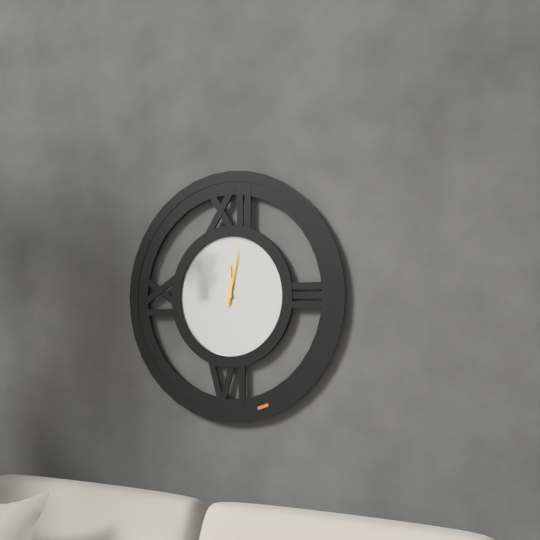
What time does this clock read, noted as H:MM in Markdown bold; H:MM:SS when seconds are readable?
**12:02**
